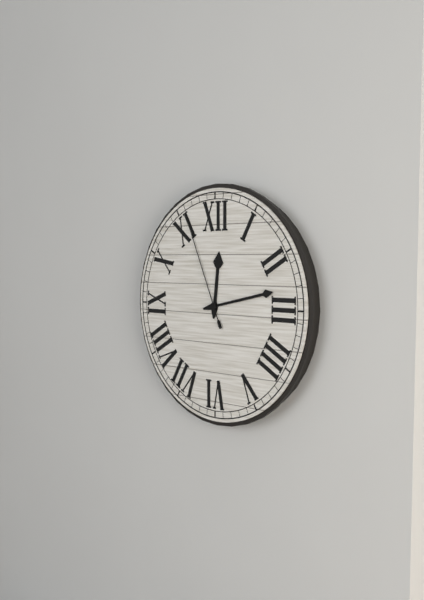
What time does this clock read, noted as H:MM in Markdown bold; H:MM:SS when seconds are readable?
**12:13:56**
